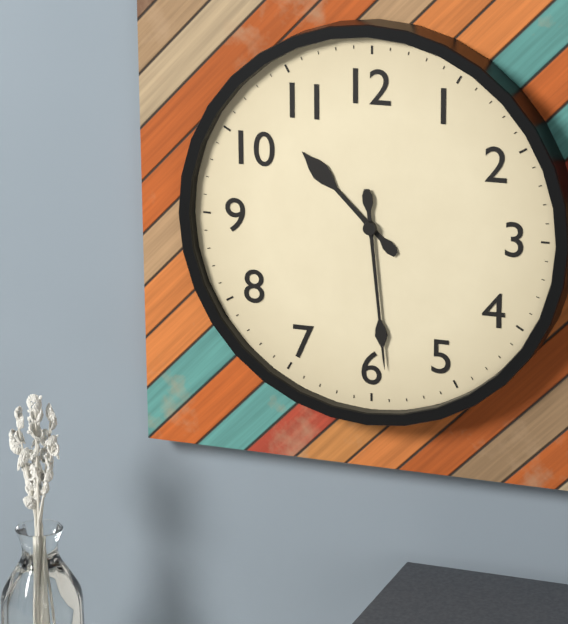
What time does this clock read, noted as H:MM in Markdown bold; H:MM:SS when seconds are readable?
**10:29**
